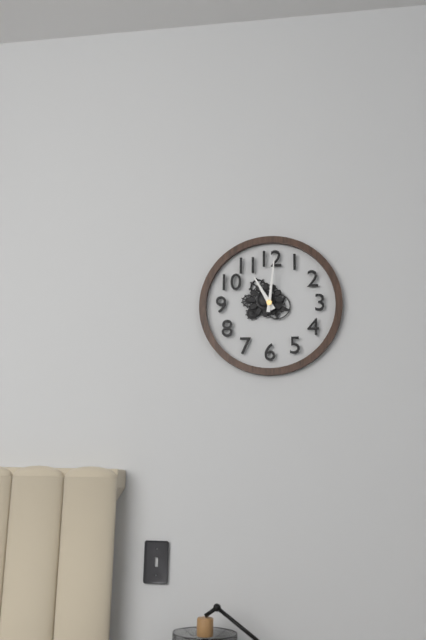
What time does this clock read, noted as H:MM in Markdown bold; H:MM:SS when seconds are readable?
**11:01**
